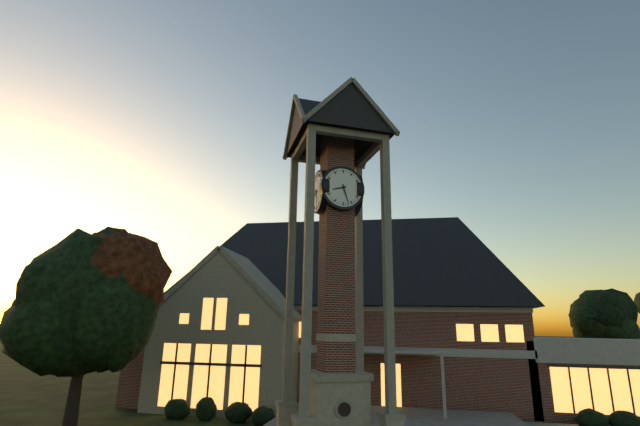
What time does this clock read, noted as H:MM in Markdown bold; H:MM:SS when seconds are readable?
**8:27**
